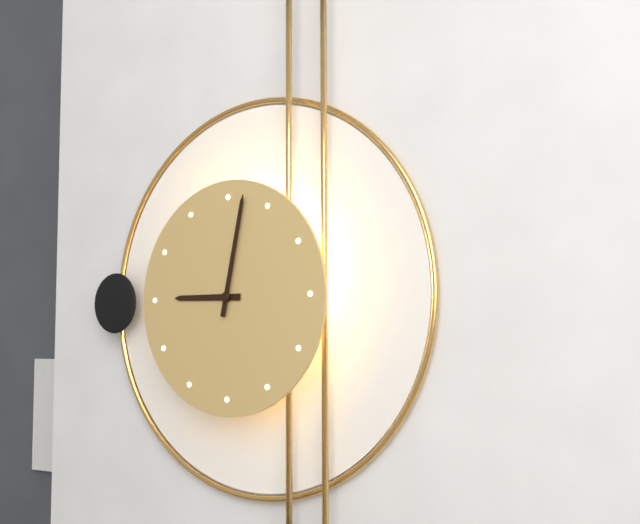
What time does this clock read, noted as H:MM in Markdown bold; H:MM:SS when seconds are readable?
**9:02**
